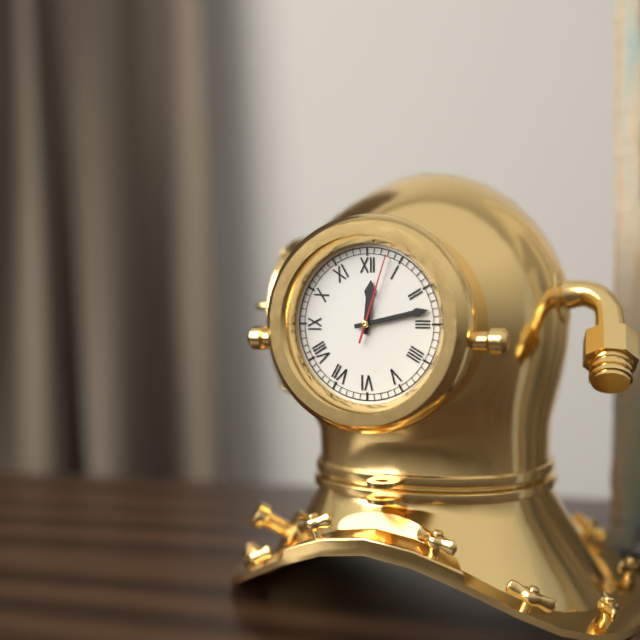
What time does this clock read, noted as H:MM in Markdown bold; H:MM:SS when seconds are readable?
**12:13:03**
